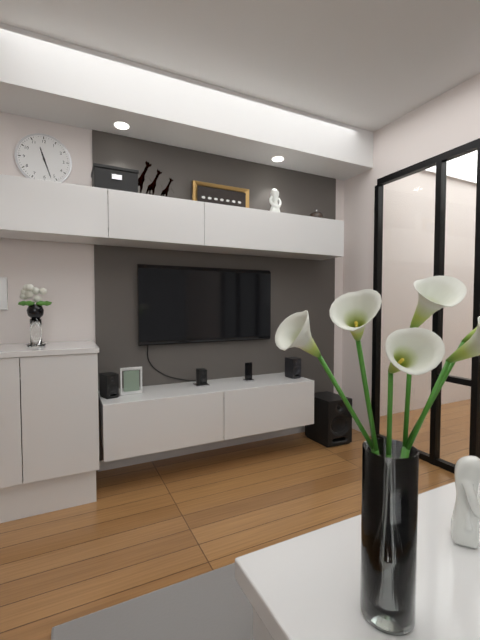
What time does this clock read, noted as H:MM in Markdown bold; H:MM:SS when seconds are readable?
**11:27**
